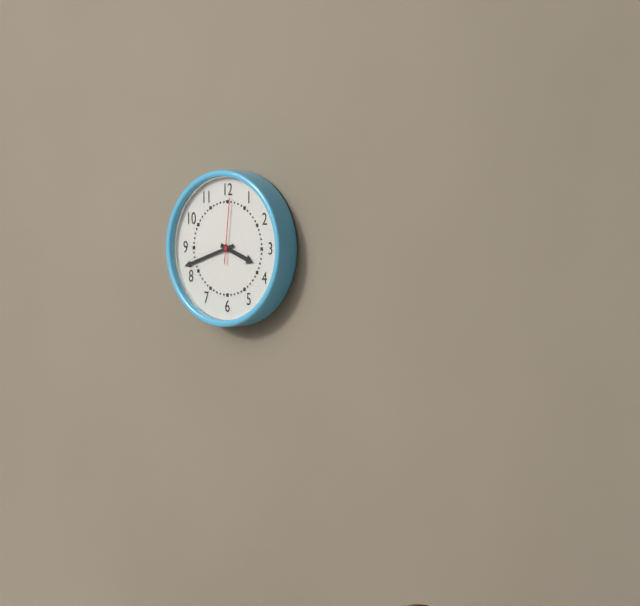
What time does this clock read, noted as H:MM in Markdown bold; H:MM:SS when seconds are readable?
**3:42:01**
